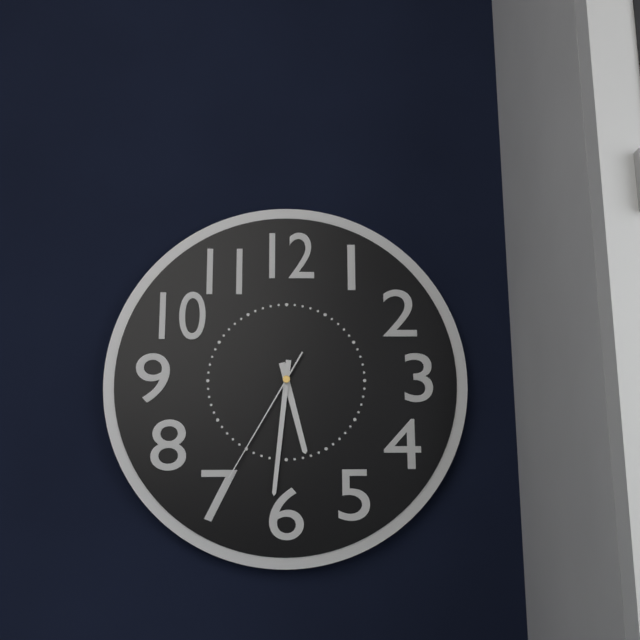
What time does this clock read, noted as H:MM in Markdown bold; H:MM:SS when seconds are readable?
**5:31:35**
